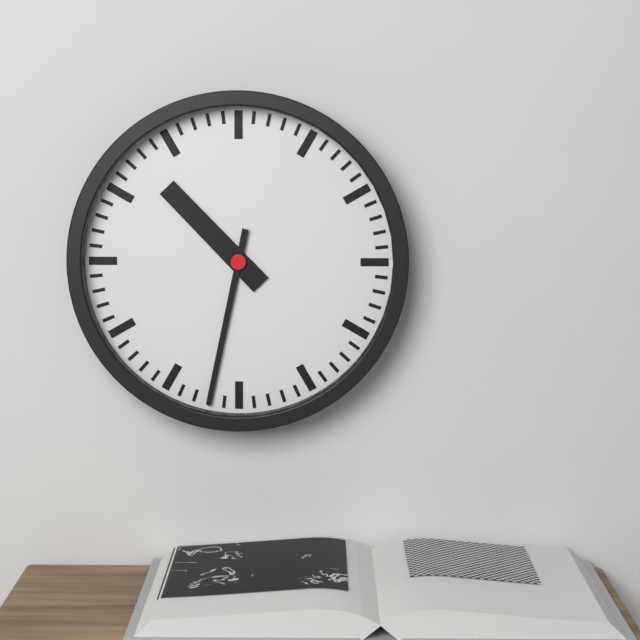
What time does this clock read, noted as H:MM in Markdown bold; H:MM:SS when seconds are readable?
**10:32**
